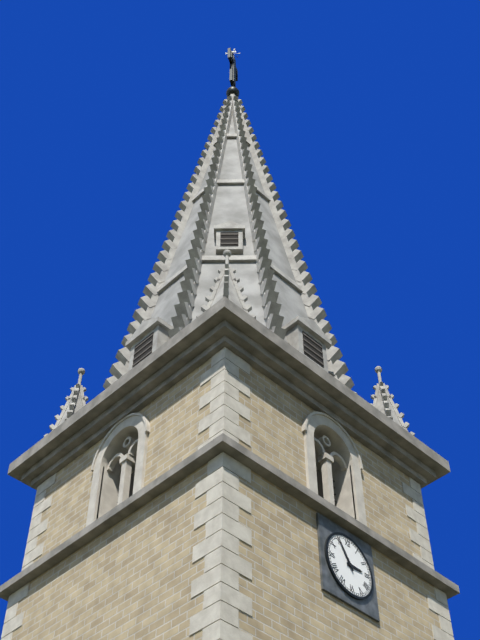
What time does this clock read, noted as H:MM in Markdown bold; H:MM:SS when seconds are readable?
**2:55**
